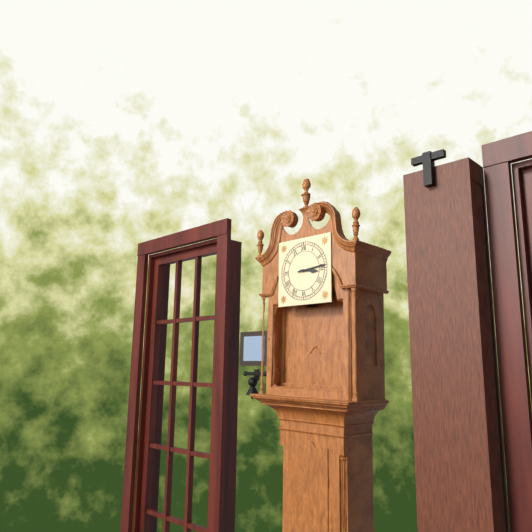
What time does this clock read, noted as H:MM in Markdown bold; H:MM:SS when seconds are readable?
**3:14**
